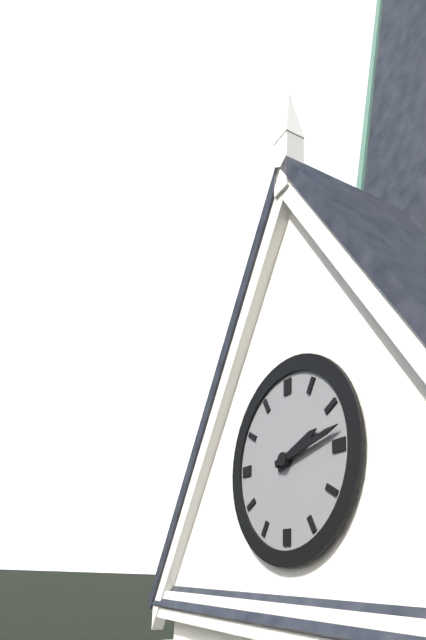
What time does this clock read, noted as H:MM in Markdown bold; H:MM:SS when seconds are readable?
**2:13**
